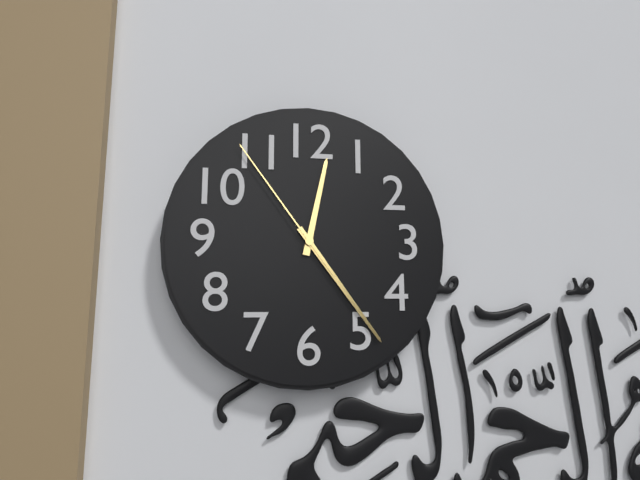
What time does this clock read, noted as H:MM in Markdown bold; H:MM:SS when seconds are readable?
**12:24:54**
